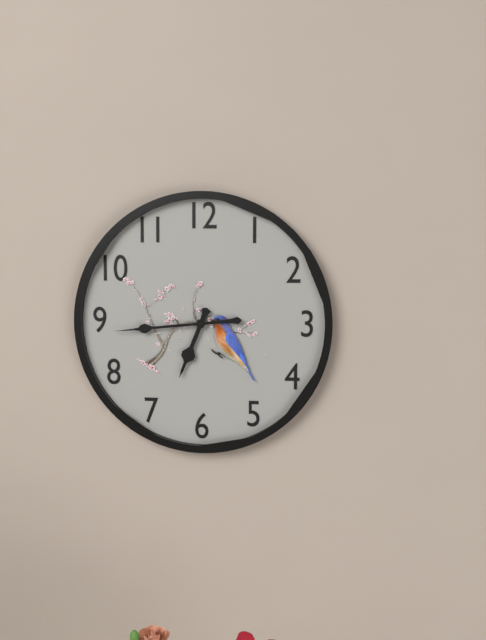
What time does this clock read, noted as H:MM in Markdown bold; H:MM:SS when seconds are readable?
**6:44**
